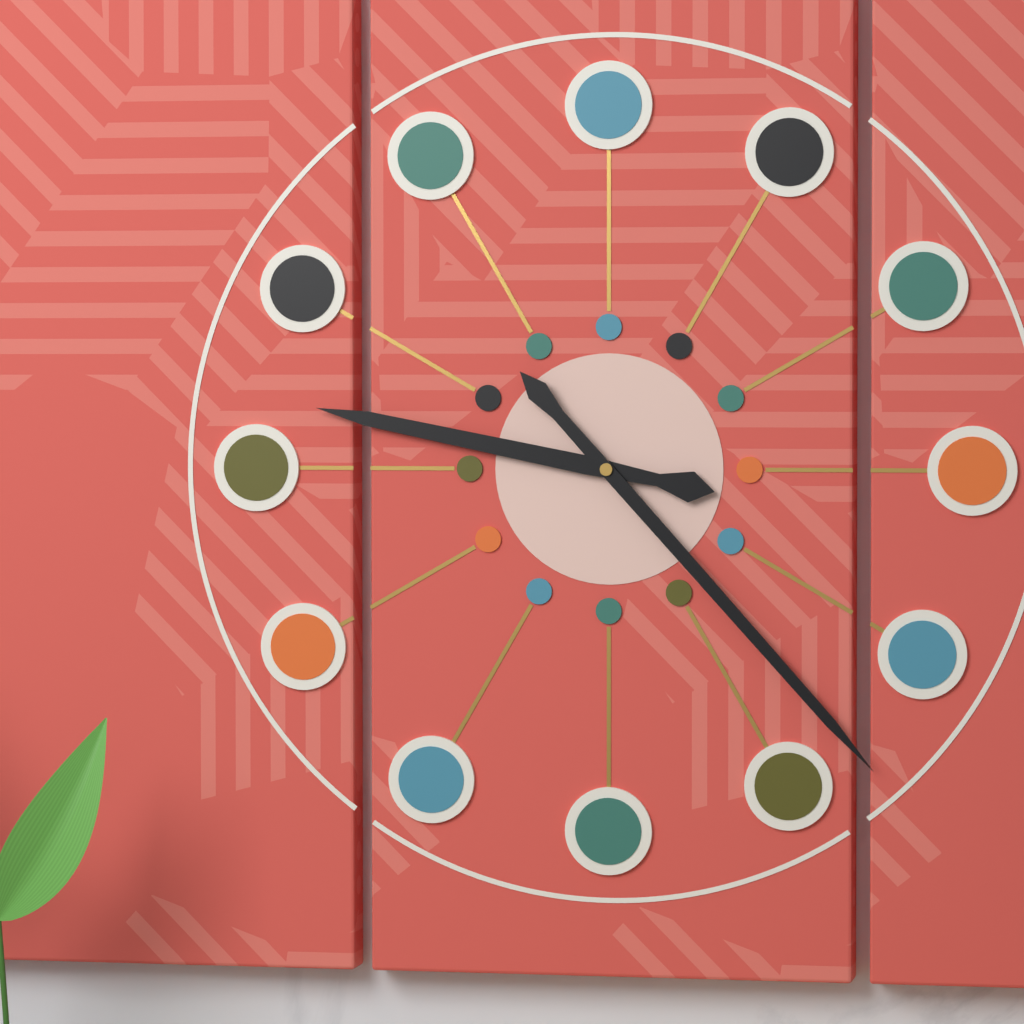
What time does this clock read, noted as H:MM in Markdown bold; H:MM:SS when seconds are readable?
**9:23**
